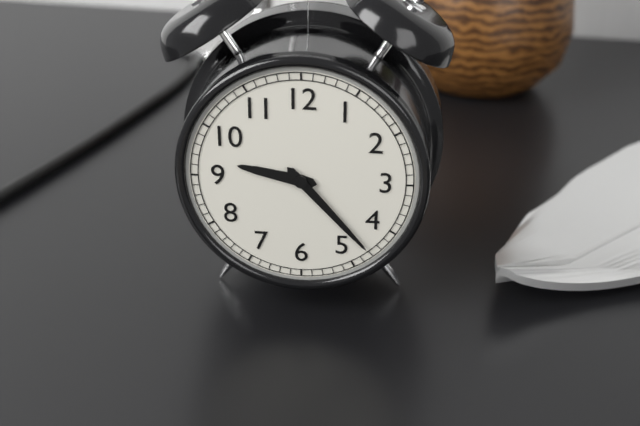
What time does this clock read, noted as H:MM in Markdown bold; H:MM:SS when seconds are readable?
**9:23**
